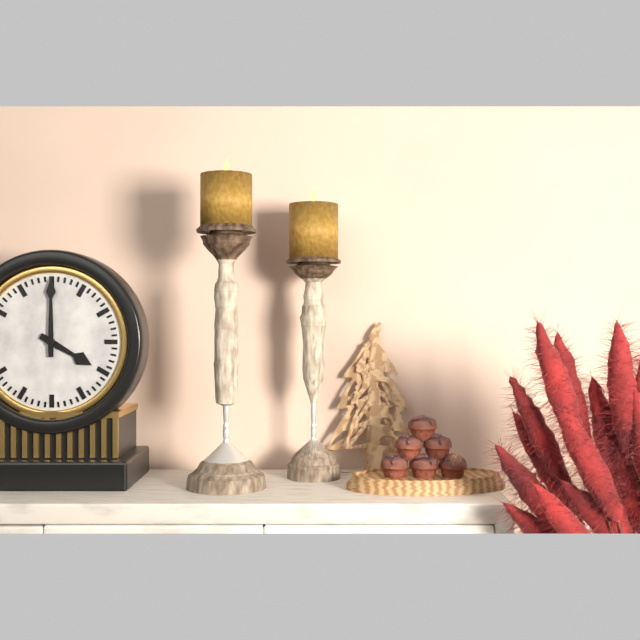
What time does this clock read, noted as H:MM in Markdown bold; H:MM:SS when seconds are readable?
**4:00**
